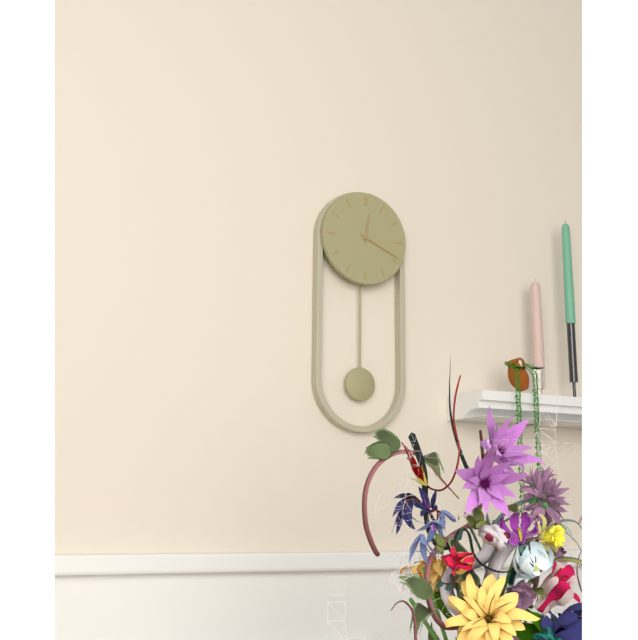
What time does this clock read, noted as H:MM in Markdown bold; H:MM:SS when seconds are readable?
**12:19**
